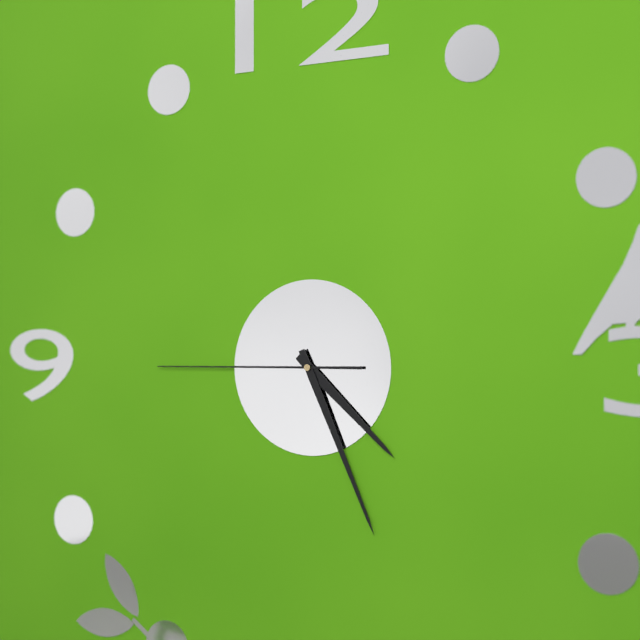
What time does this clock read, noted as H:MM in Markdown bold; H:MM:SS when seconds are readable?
**4:26:45**
